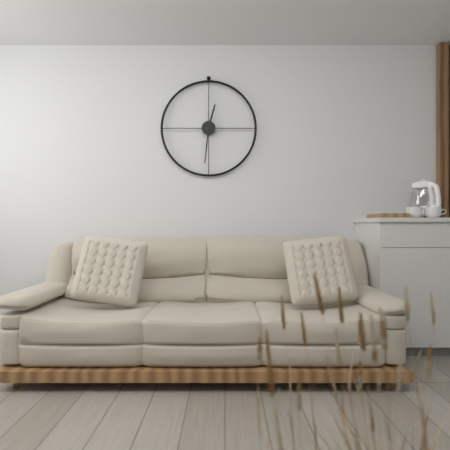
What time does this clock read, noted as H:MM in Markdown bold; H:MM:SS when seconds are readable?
**12:31**
